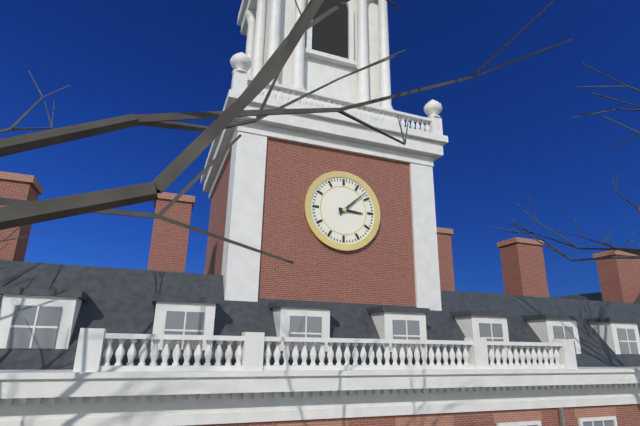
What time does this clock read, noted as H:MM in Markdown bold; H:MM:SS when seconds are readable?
**3:08**
